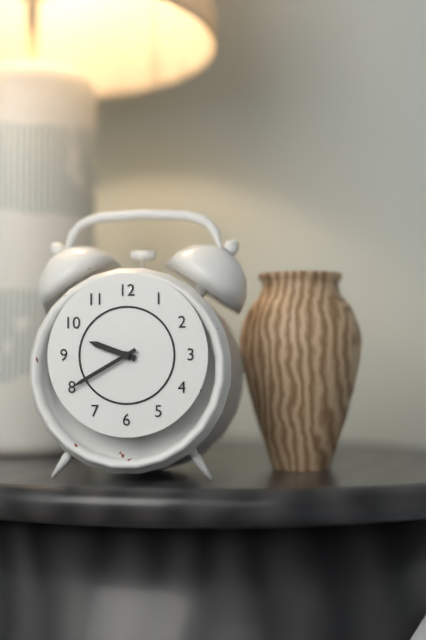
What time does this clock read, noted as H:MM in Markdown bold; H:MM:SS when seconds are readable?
**9:40**
